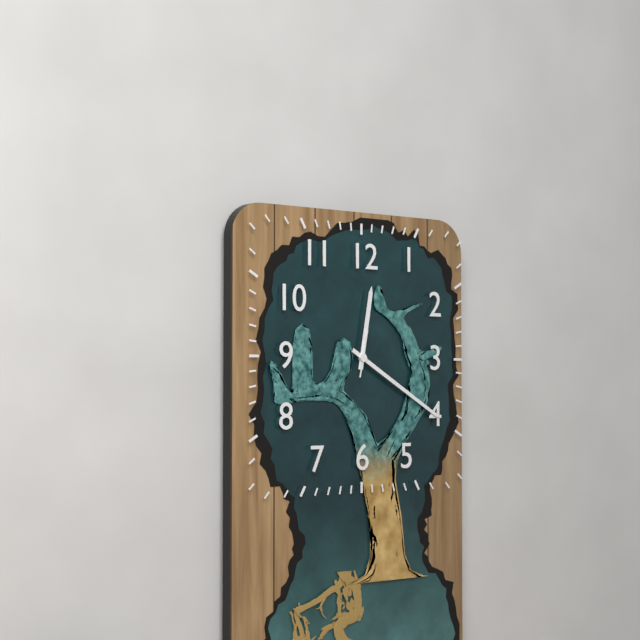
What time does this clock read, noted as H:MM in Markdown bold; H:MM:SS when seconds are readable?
**12:20**
